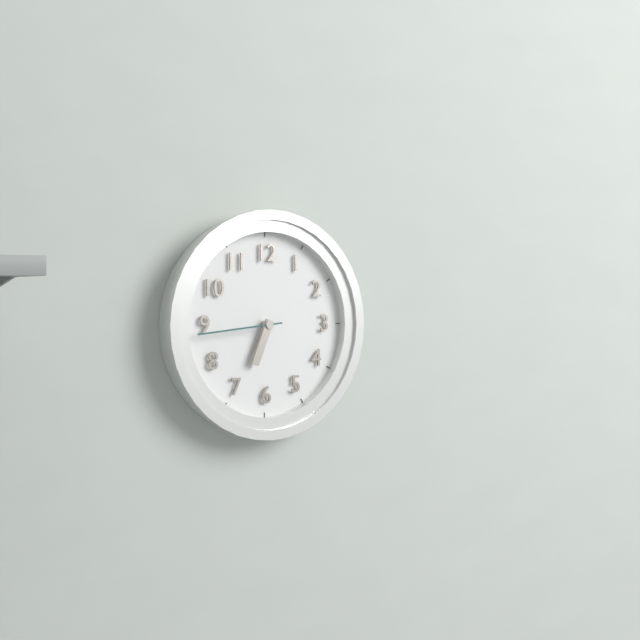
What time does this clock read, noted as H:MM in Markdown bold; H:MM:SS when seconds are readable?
**6:44**
